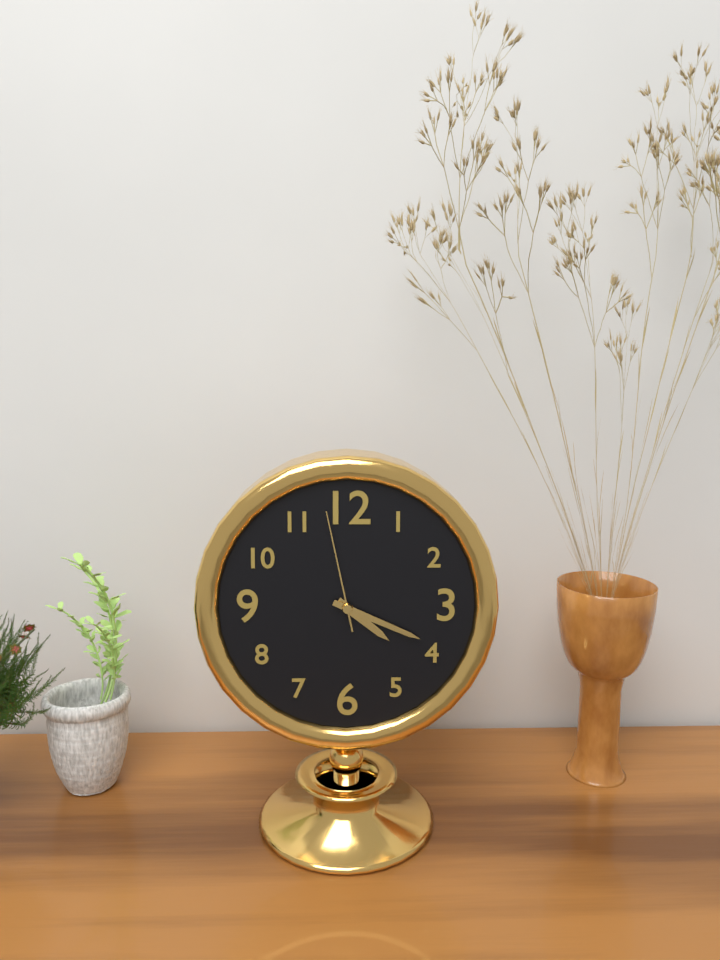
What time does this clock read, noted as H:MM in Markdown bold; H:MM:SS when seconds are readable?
**4:19:58**
